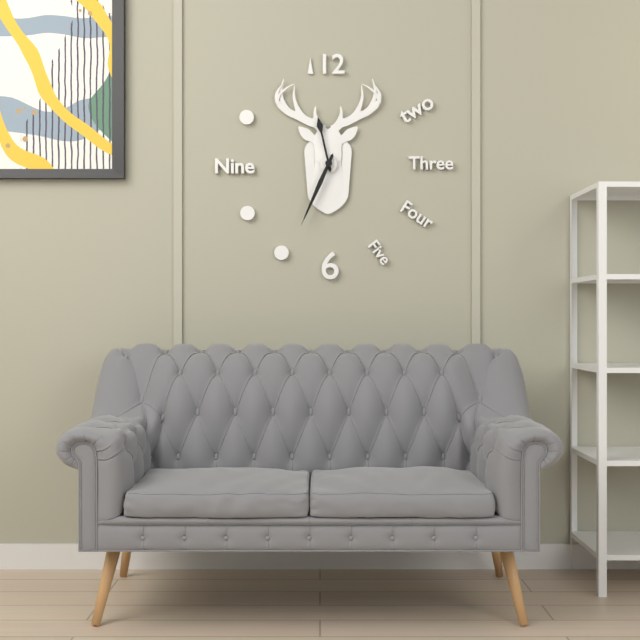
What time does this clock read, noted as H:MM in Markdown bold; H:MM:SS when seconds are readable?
**11:34**
